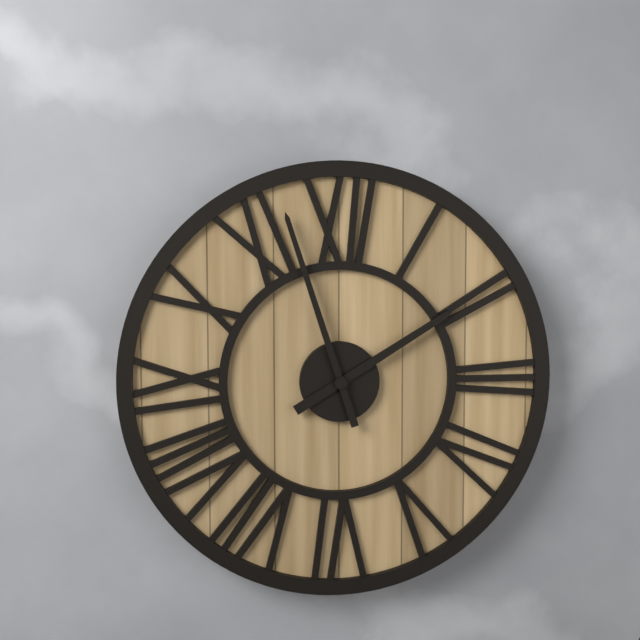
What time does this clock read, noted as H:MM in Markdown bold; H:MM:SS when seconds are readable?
**1:57**
